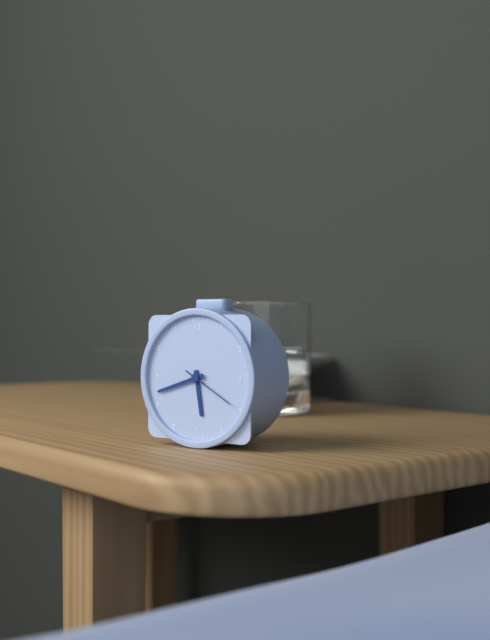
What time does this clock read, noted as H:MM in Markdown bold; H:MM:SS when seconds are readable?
**5:42:20**
